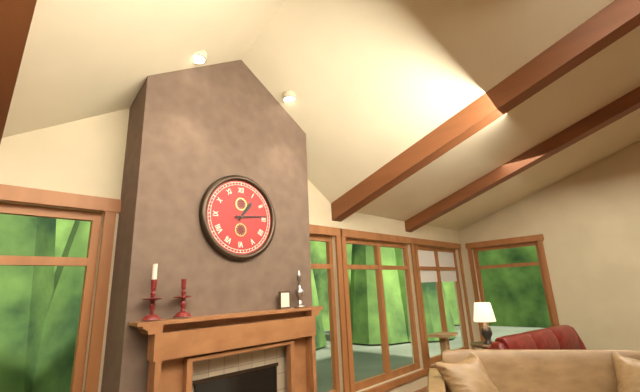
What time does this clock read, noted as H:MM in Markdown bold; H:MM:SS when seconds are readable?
**1:14**
